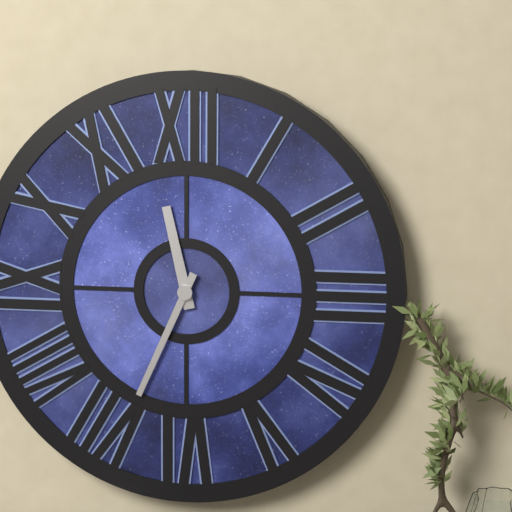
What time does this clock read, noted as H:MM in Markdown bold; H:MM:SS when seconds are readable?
**11:34**
